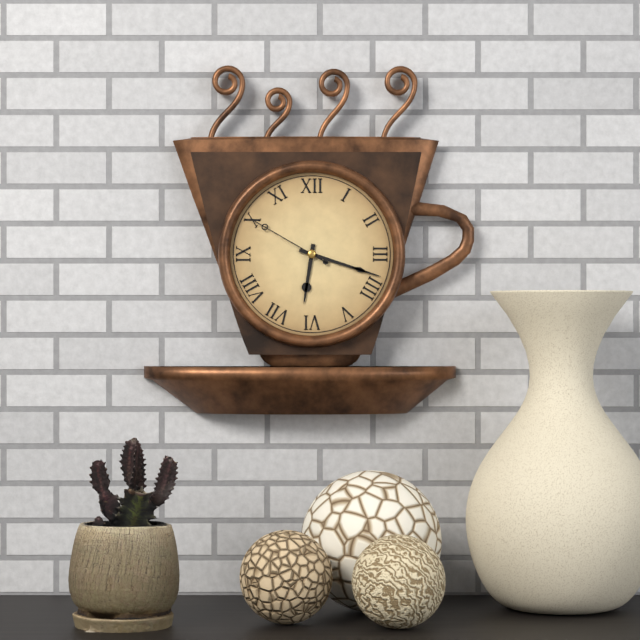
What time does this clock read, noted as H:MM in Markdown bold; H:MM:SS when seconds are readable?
**6:18:50**
